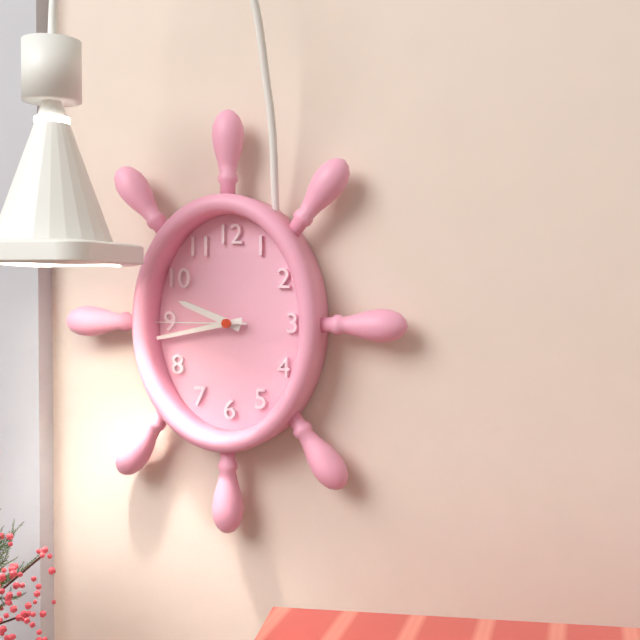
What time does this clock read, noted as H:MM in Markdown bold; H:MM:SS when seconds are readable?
**9:43:45**
